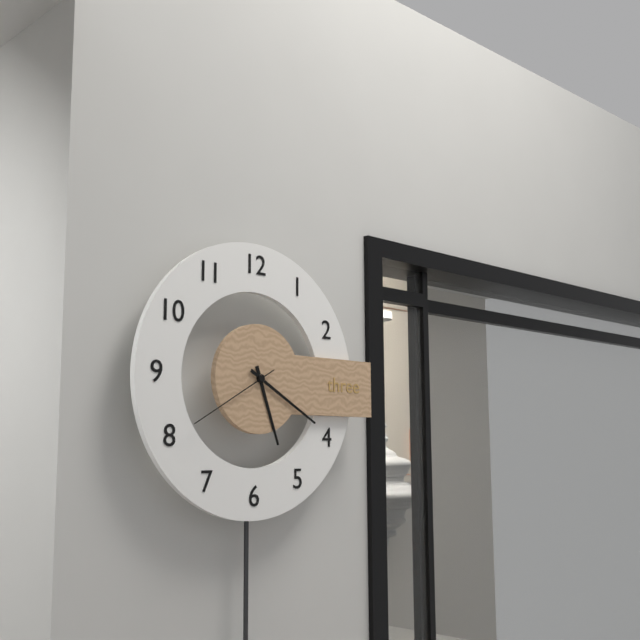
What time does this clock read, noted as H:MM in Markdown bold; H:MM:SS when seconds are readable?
**5:20:40**
